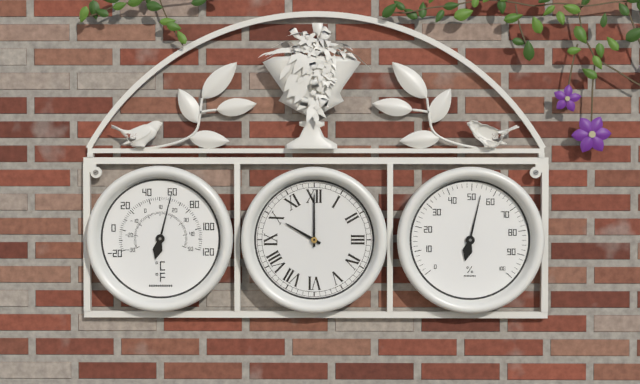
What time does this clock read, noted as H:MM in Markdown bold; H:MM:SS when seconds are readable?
**10:00**
